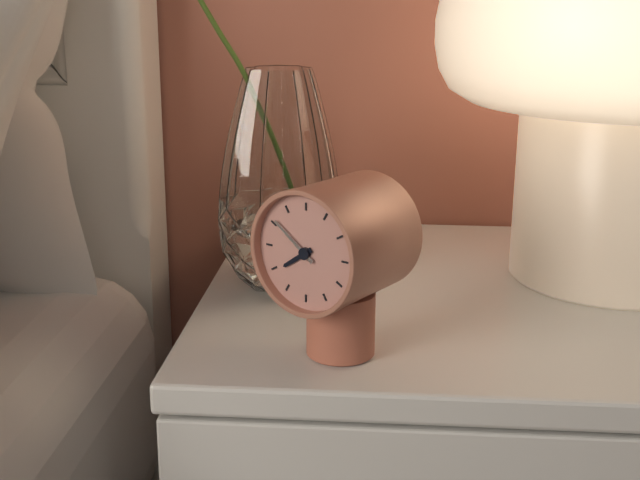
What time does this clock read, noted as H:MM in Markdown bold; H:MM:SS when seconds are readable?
**7:51**
